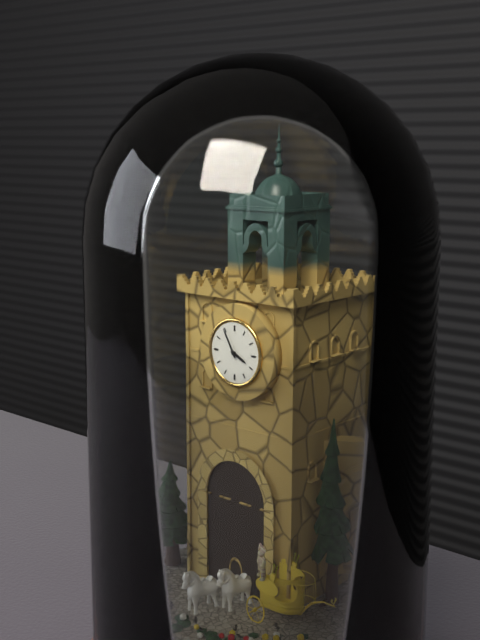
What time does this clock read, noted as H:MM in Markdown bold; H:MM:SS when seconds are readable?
**3:55**
